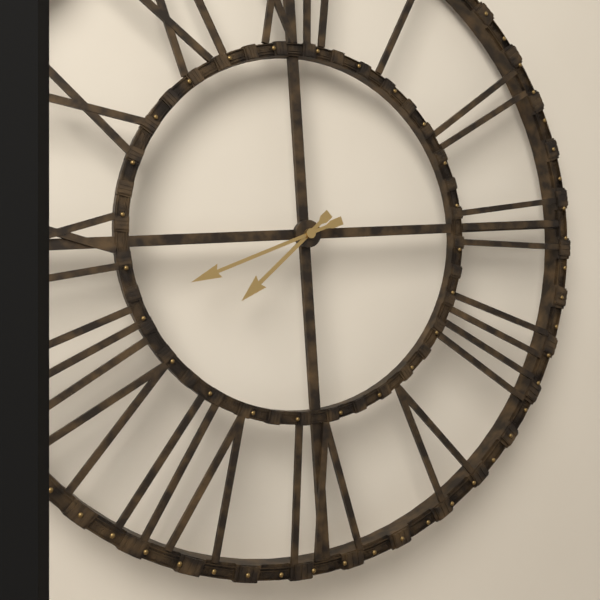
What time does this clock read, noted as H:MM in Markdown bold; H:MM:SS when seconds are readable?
**7:42**
